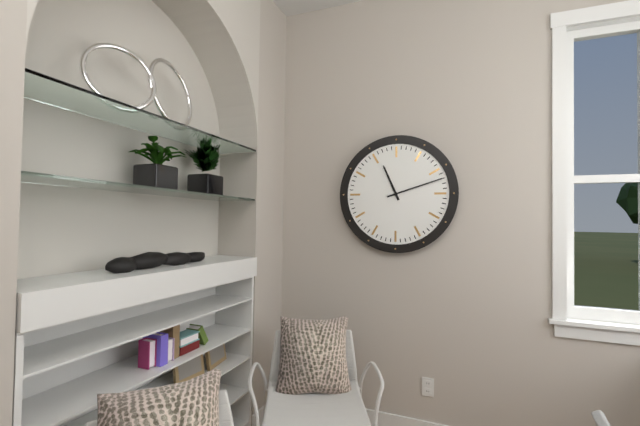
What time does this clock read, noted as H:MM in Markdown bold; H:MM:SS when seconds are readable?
**11:12**
